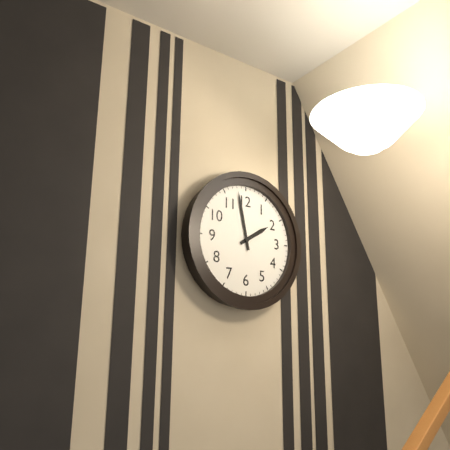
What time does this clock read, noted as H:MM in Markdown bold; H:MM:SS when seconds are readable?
**1:58**
